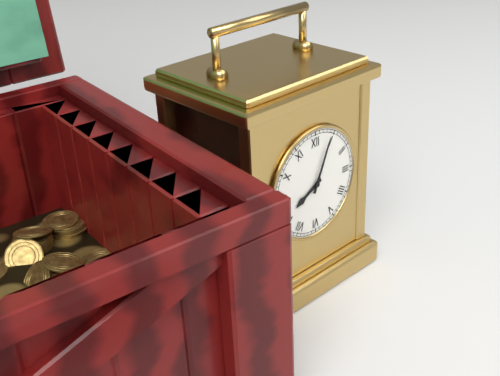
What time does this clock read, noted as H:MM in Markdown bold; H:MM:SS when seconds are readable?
**8:04**
